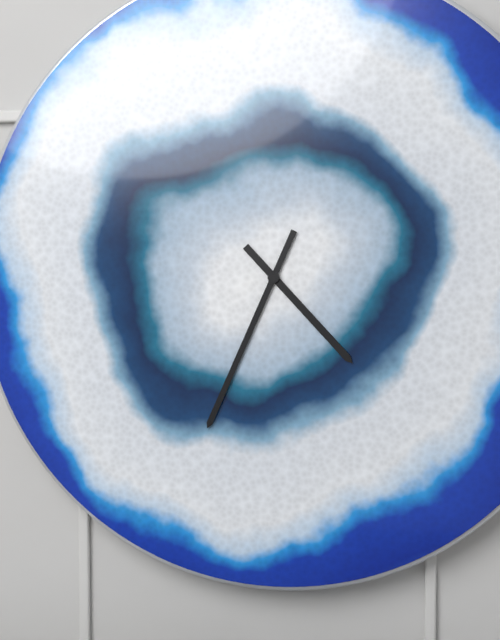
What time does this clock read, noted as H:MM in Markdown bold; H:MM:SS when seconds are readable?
**4:34**
